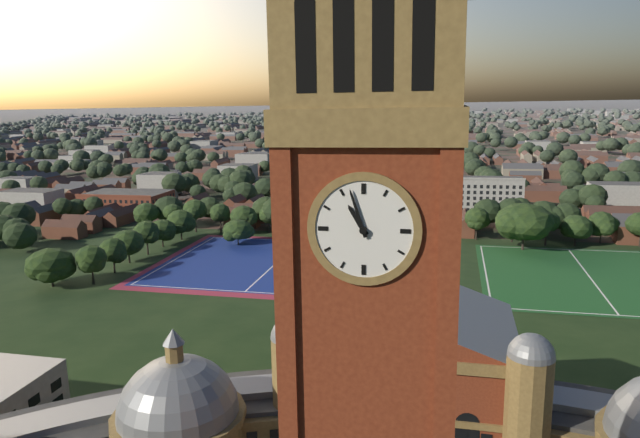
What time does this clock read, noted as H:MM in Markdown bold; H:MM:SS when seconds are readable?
**10:57**
